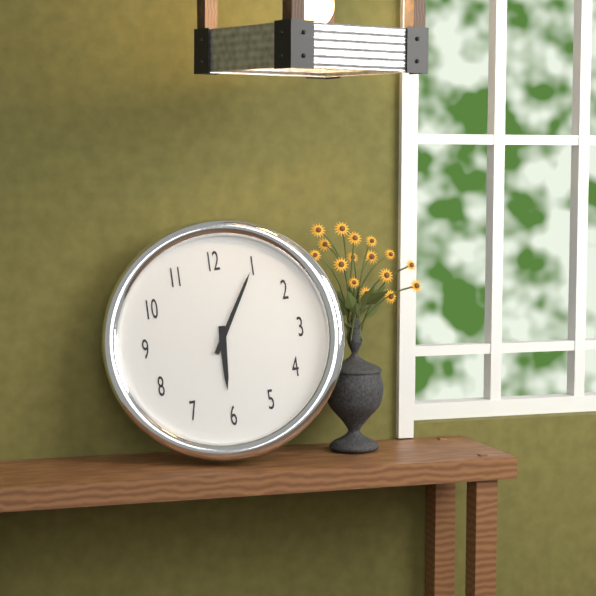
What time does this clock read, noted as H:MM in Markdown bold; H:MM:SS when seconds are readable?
**6:05**
